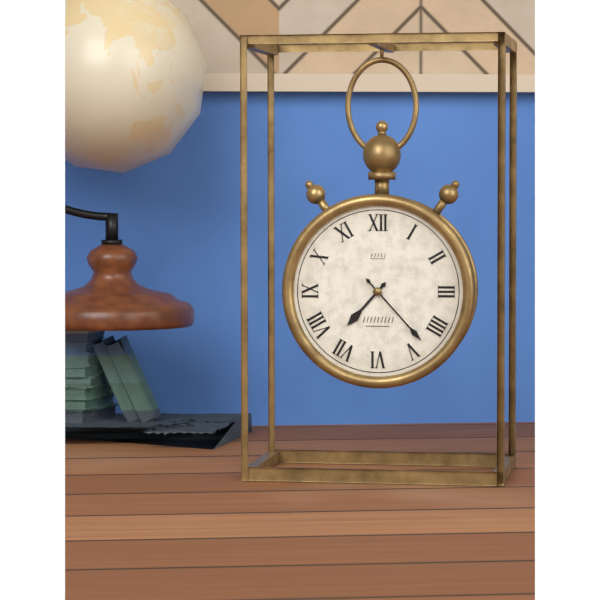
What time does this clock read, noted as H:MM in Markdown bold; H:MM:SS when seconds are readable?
**7:23**
